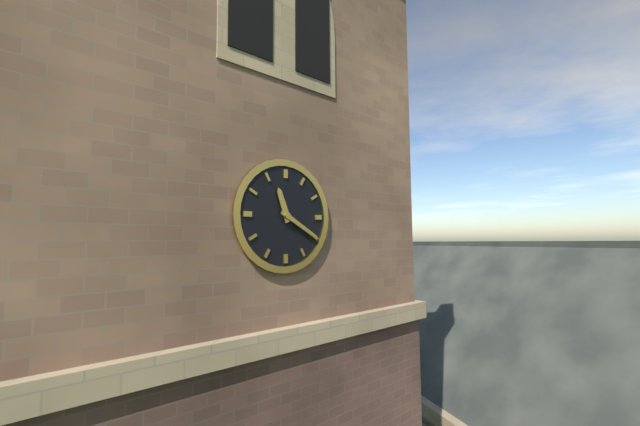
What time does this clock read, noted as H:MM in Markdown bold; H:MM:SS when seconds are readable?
**11:20**
